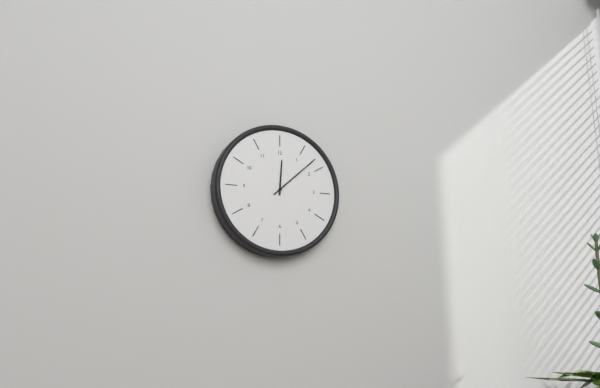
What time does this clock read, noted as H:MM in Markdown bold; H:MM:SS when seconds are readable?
**12:08**
